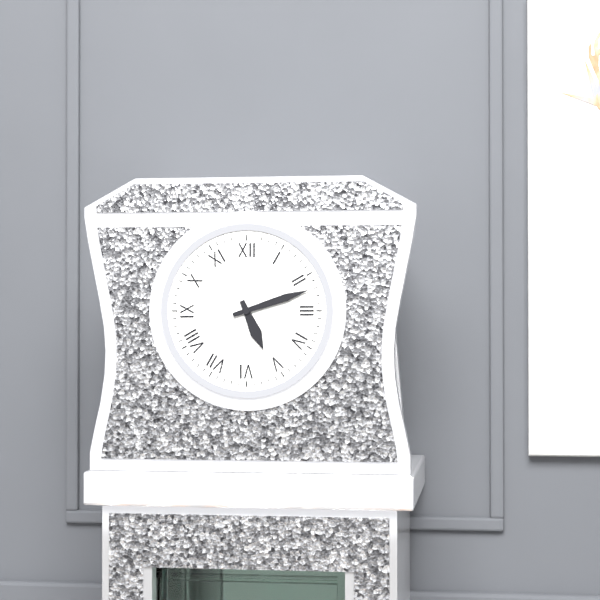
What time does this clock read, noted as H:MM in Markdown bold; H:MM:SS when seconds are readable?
**5:12**
